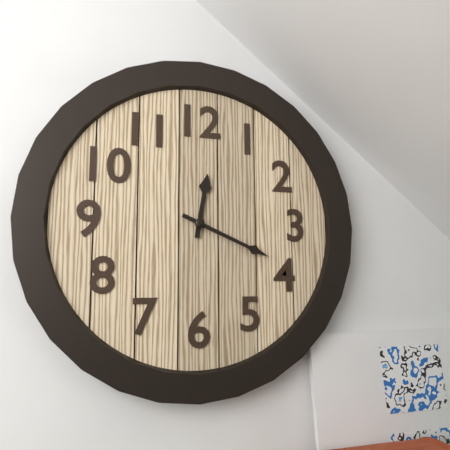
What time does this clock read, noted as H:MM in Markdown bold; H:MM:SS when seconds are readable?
**12:19**
